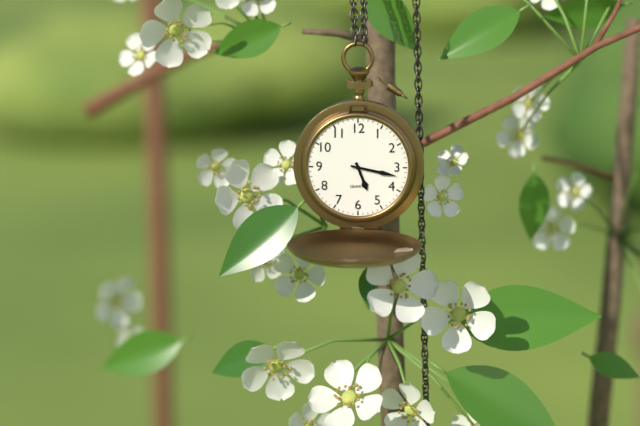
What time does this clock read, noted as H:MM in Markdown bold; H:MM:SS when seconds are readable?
**5:17**
